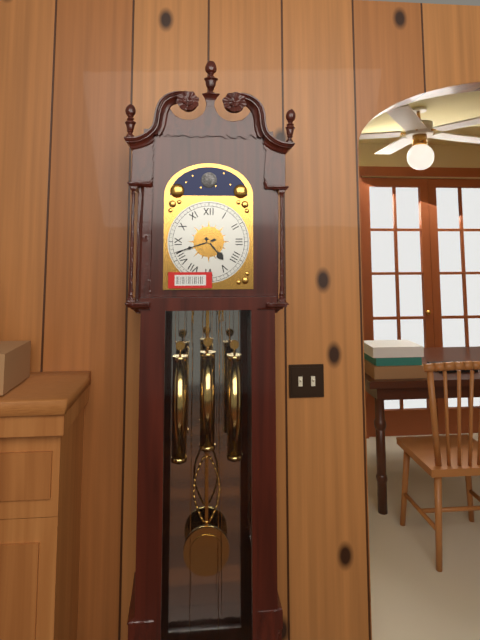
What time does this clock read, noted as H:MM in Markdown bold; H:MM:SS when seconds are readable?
**4:42**
